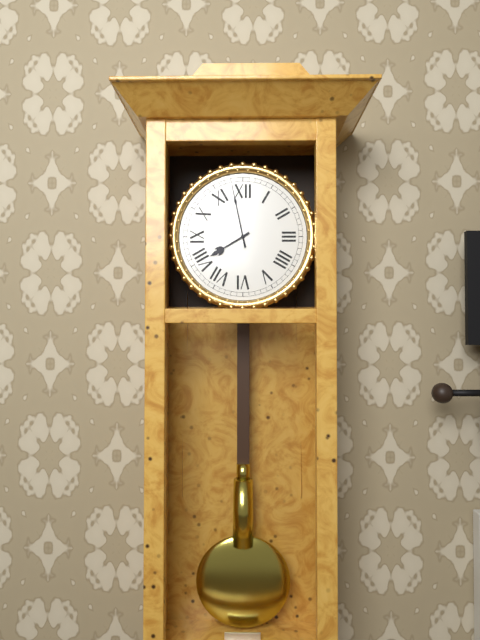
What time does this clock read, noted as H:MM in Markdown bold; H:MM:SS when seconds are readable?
**7:58**
